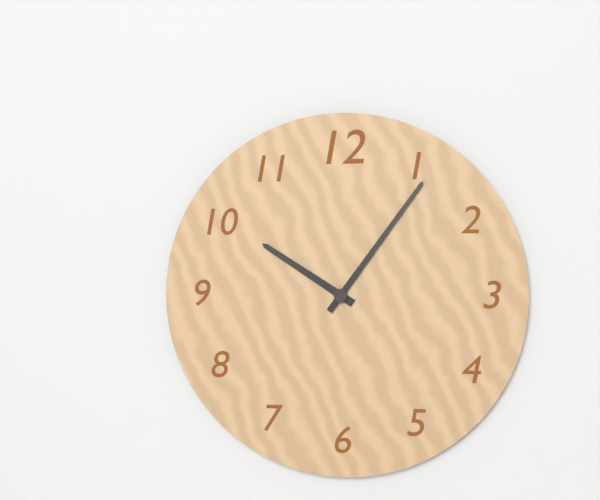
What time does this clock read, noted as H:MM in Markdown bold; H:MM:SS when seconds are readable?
**10:06**
